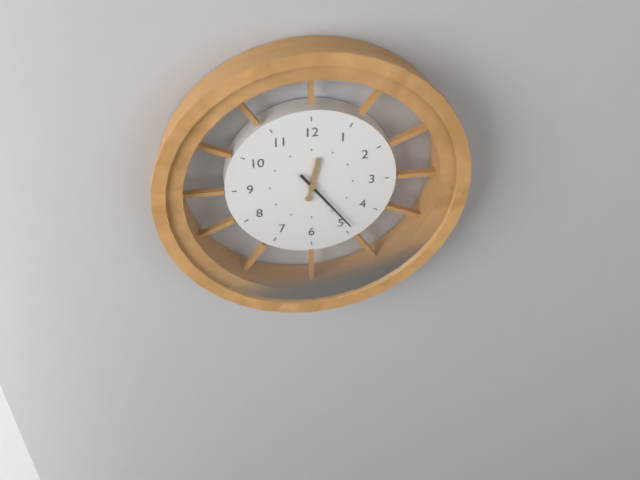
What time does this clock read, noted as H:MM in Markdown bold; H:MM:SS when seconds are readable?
**12:24**
